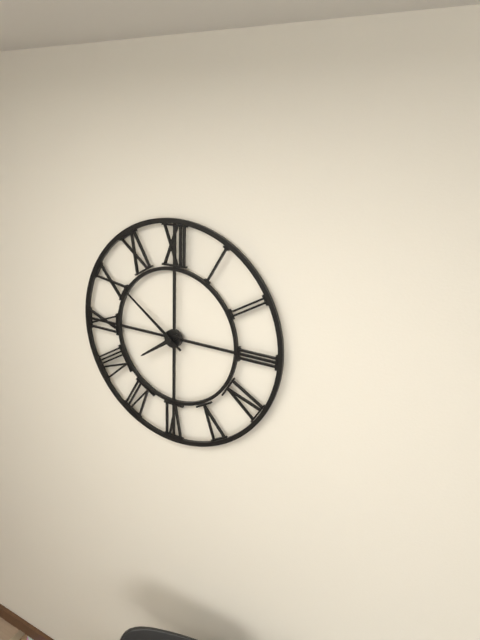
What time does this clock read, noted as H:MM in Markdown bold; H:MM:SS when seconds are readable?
**7:51**
